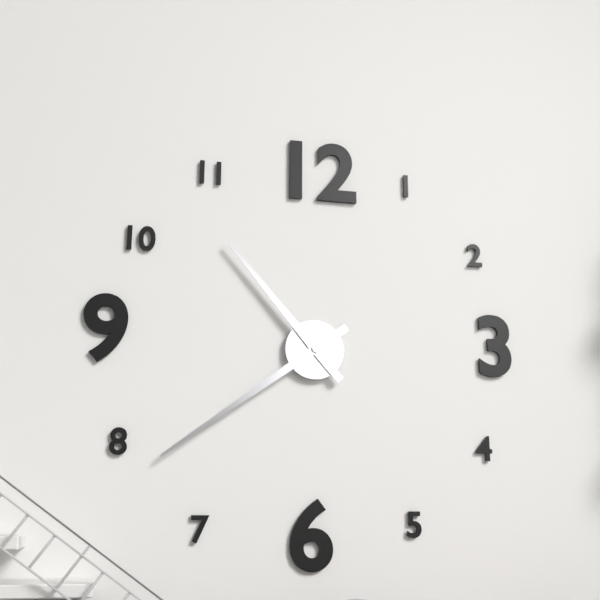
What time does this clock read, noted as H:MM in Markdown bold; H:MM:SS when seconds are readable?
**10:39**
